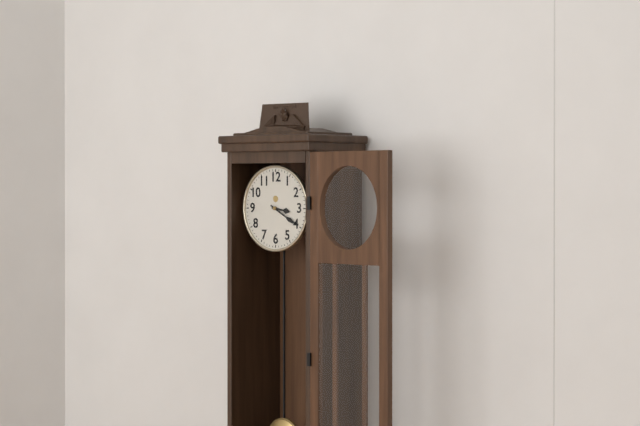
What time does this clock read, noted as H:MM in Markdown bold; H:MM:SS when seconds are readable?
**3:20**
